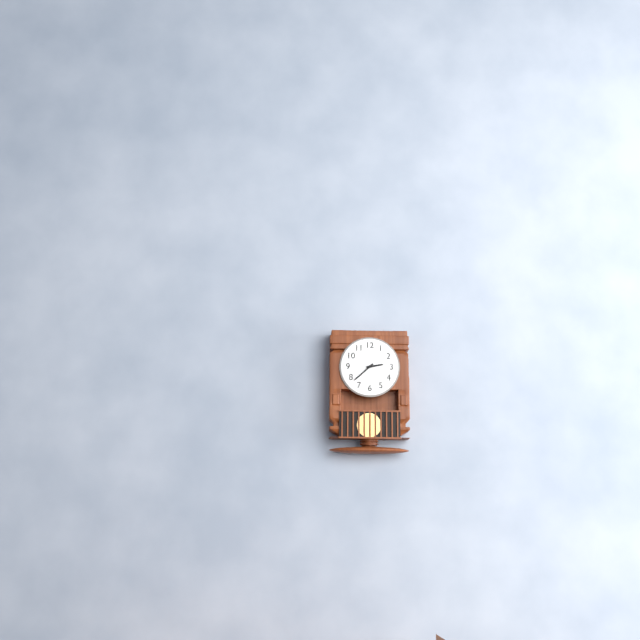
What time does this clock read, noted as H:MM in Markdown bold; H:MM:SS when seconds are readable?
**2:38**
